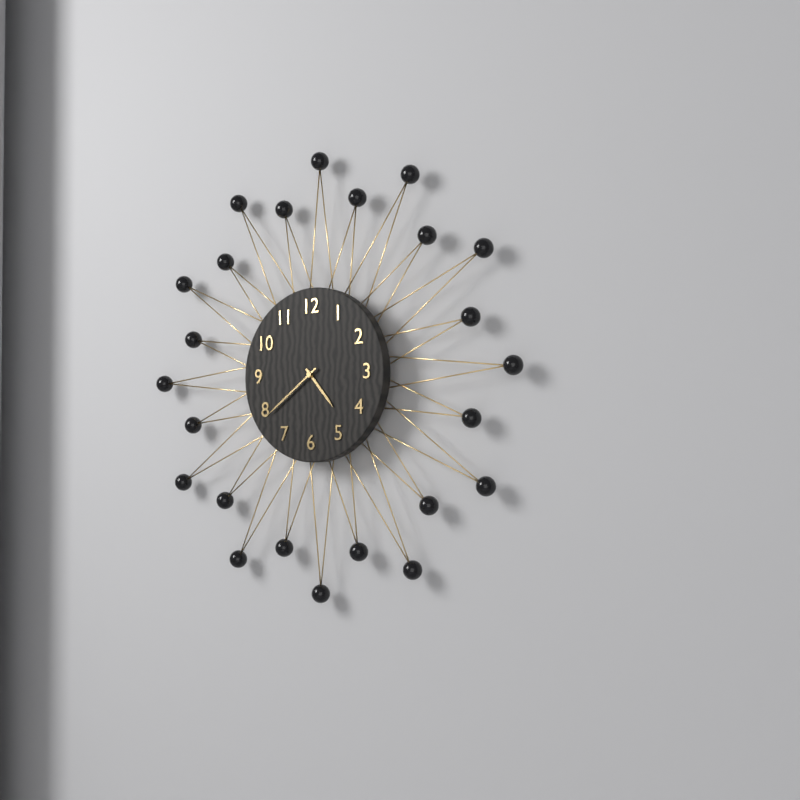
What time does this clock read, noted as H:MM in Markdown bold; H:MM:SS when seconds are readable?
**4:39**
